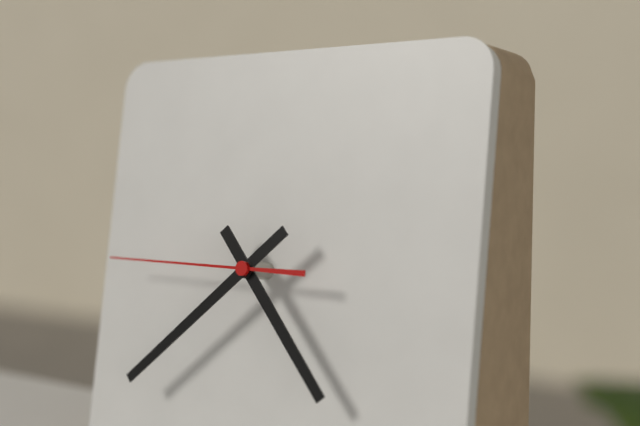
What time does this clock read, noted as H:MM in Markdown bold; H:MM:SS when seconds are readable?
**4:38:45**
